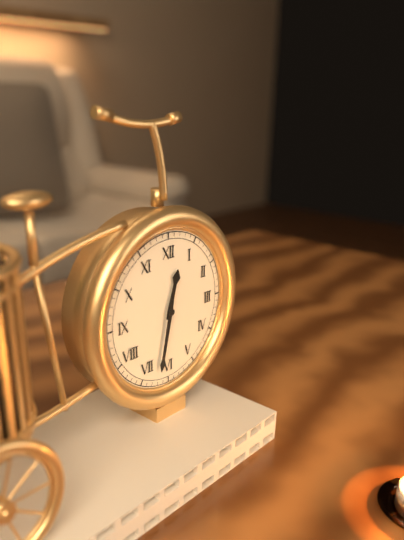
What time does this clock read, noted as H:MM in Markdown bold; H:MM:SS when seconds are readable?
**12:32**
